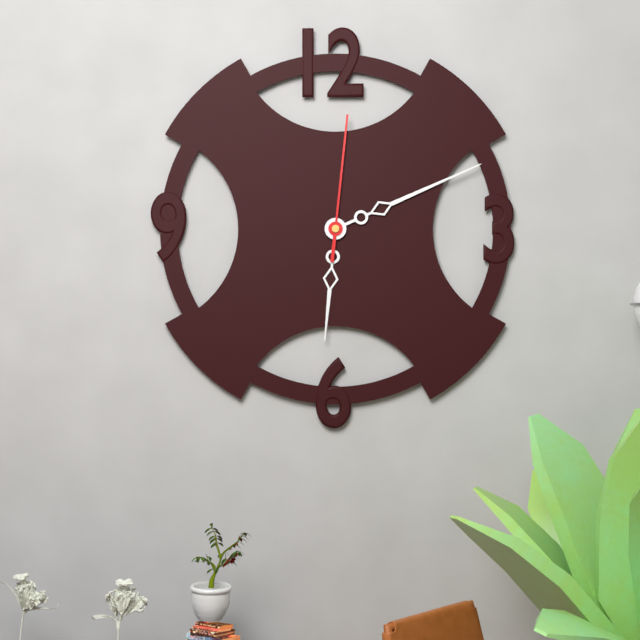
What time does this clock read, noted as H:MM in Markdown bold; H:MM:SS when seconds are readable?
**6:11:01**
